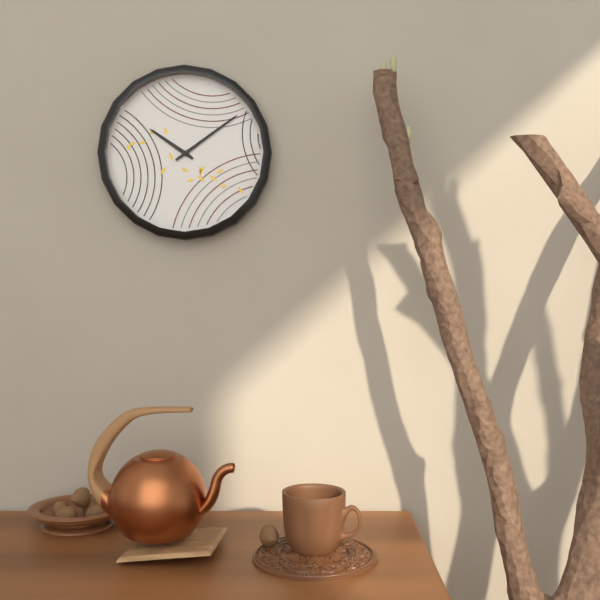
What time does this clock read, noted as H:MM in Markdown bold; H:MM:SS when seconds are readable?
**10:09**
